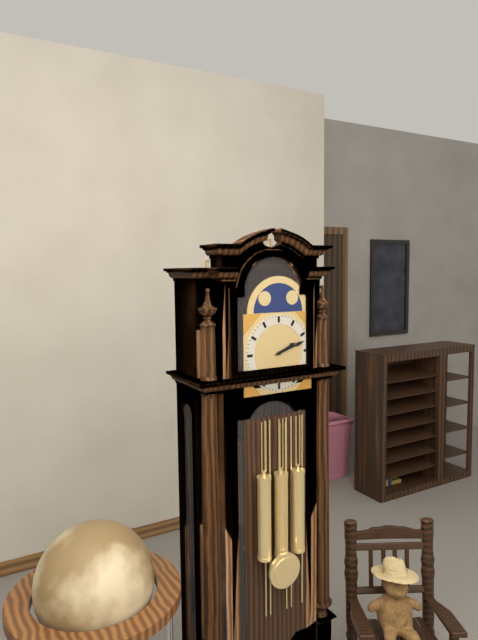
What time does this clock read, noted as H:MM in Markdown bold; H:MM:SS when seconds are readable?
**2:12**
